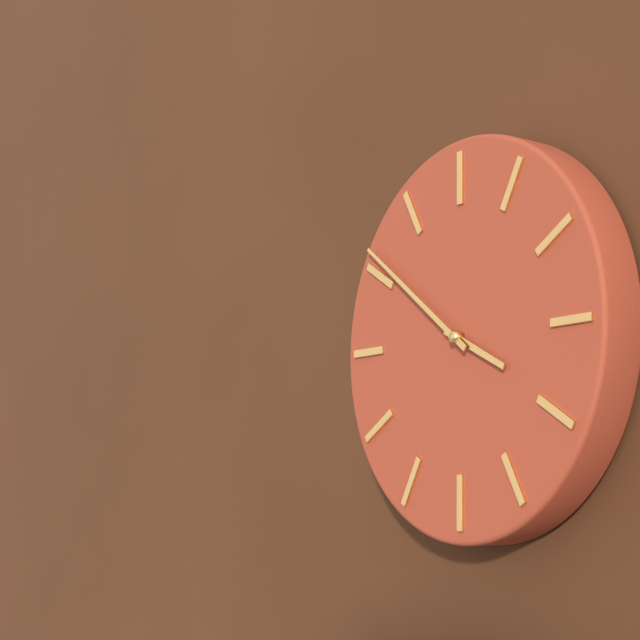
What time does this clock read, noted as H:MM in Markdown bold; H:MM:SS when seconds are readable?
**3:51**
